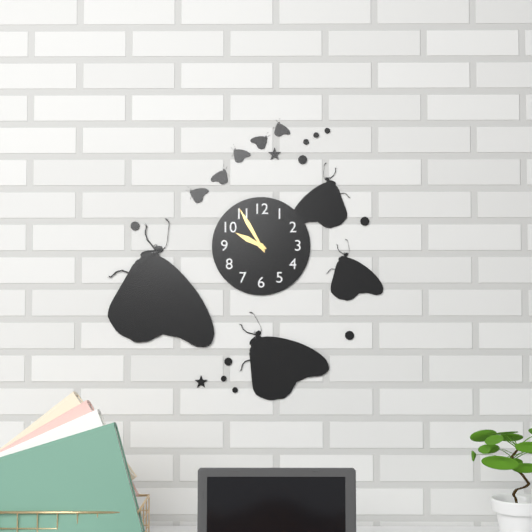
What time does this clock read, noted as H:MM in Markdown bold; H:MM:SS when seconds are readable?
**9:55**
